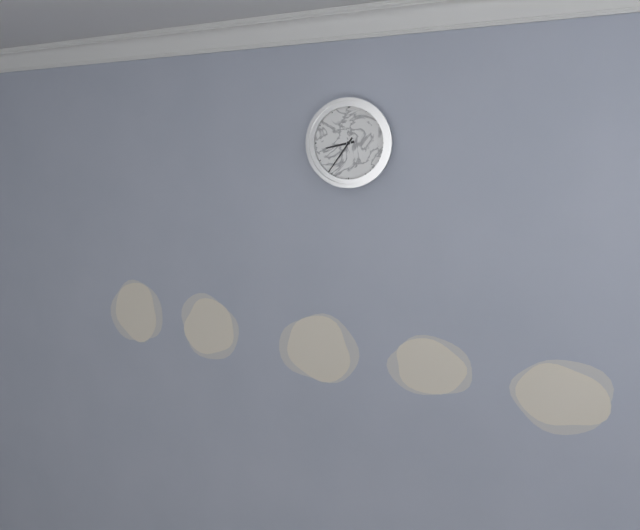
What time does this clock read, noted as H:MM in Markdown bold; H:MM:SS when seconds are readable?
**8:36**
